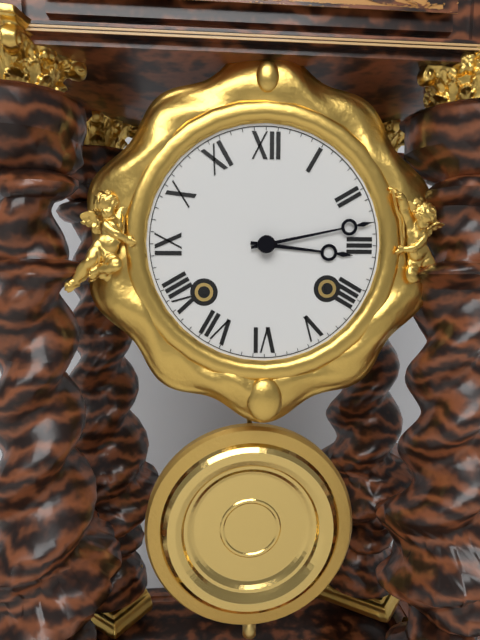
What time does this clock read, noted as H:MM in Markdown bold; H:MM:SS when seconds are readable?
**3:13**
